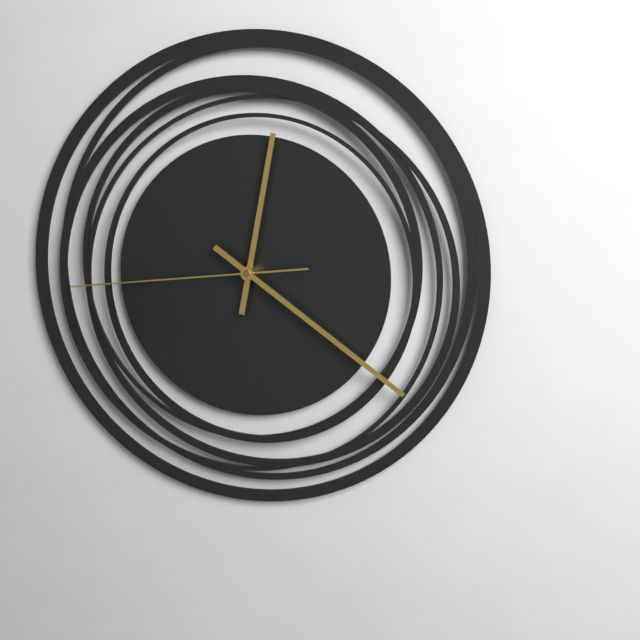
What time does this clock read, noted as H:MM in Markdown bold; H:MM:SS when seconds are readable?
**12:21:44**
